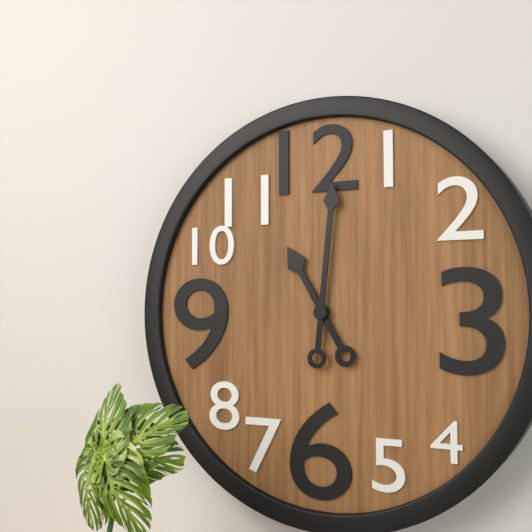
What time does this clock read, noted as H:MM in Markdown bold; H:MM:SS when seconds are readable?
**11:01**
